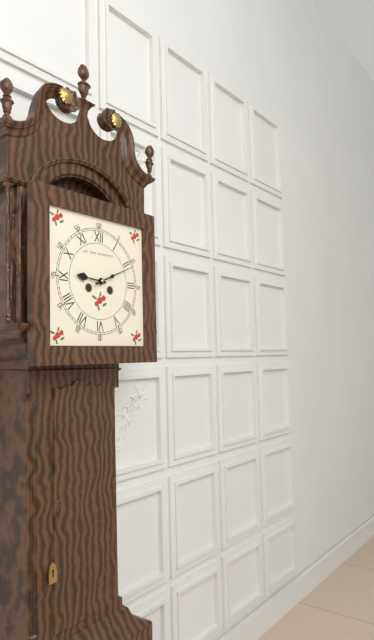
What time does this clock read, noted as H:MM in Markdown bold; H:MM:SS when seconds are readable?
**9:11**
